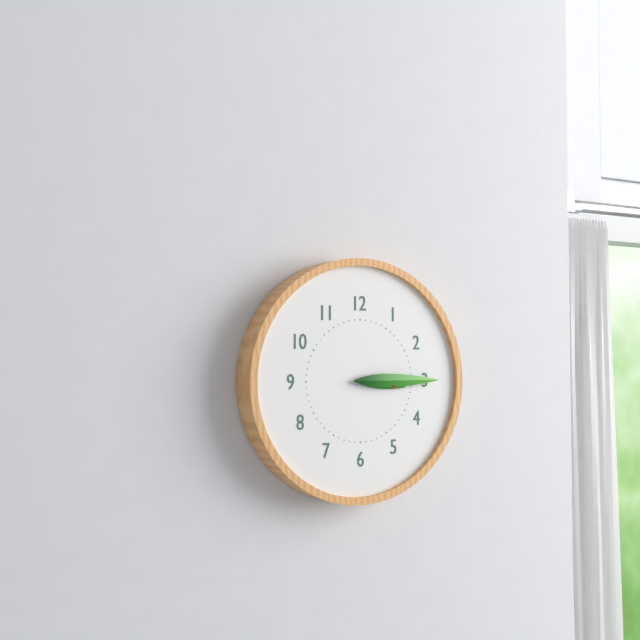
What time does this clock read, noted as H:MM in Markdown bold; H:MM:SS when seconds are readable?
**3:15**
